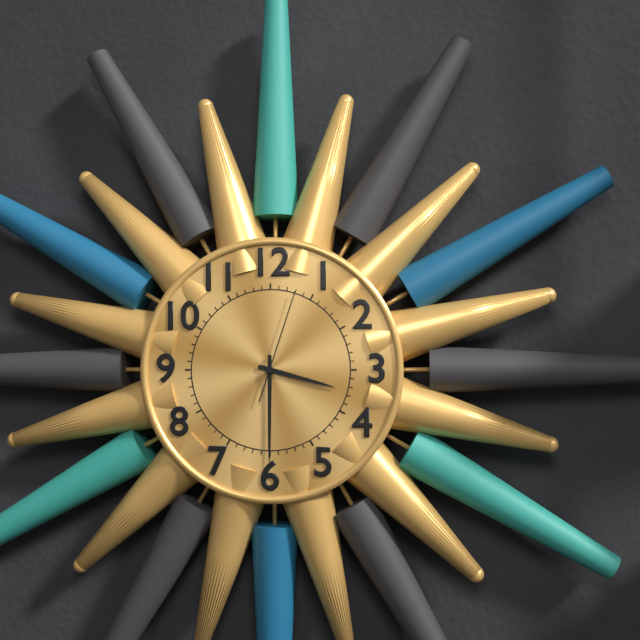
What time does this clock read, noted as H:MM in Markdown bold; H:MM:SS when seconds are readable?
**3:30:03**
